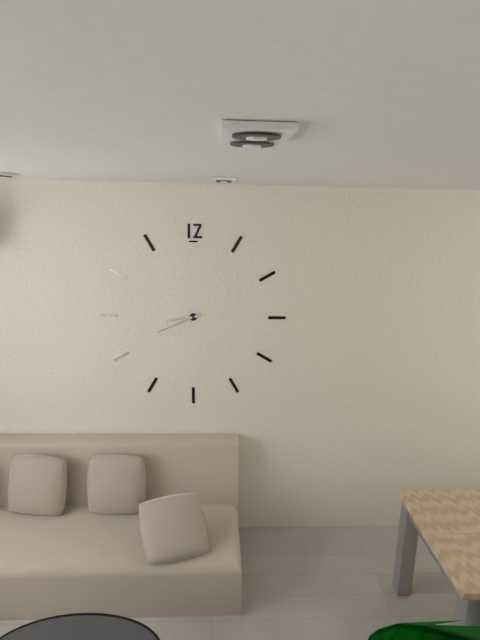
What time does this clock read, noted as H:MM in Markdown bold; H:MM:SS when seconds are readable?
**8:41**
